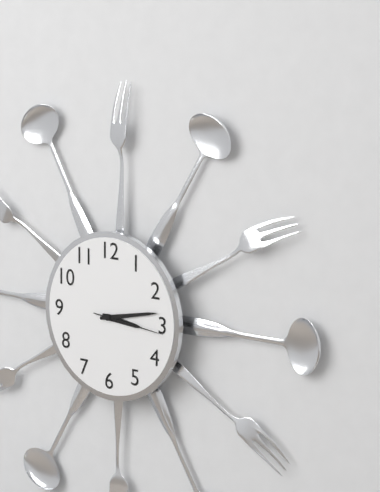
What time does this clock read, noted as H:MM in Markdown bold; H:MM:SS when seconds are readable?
**3:13:16**
